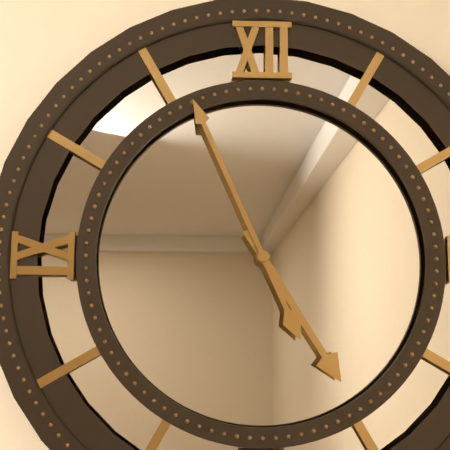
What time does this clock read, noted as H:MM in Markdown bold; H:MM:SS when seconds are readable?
**4:56**
